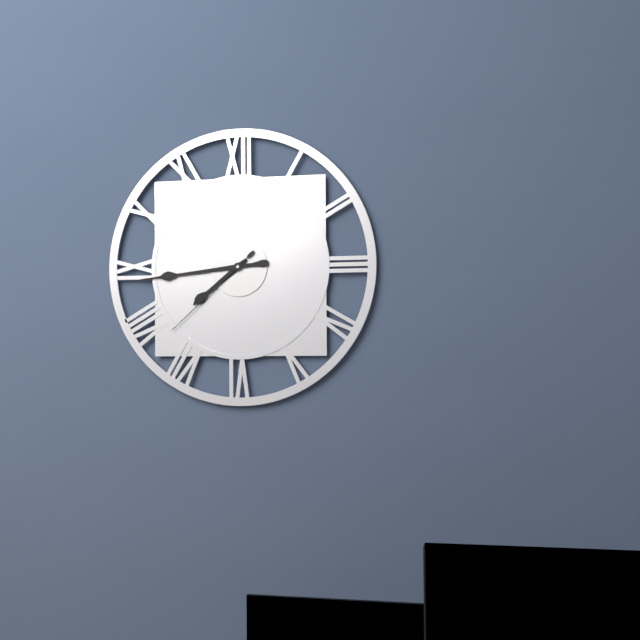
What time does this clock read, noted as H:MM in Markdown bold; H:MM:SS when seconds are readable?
**7:44:38**
